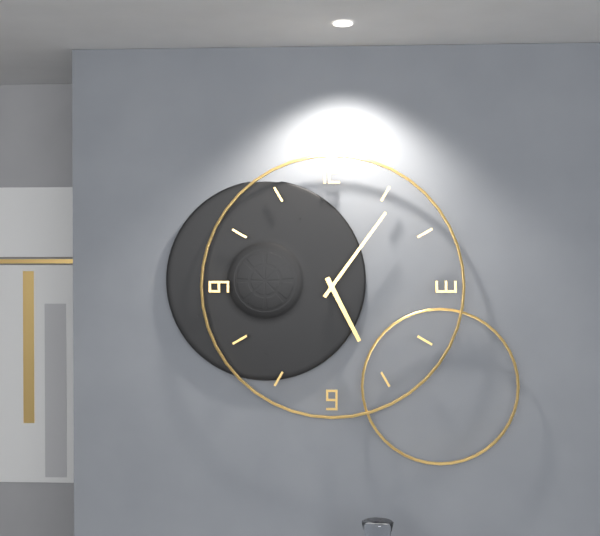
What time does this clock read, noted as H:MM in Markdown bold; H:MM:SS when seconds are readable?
**5:06**
